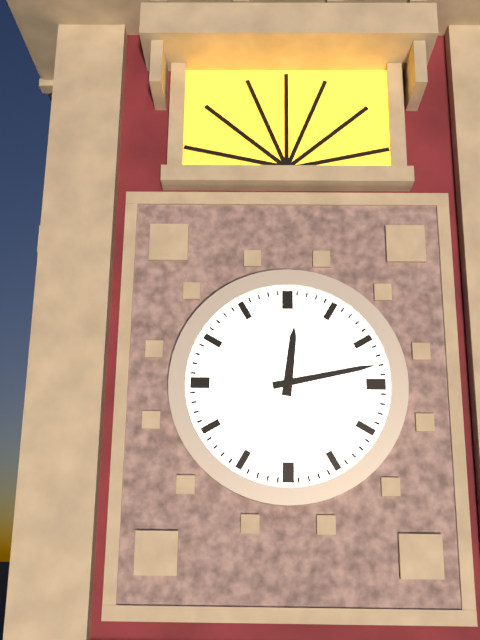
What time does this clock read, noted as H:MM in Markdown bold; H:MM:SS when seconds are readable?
**12:13**
